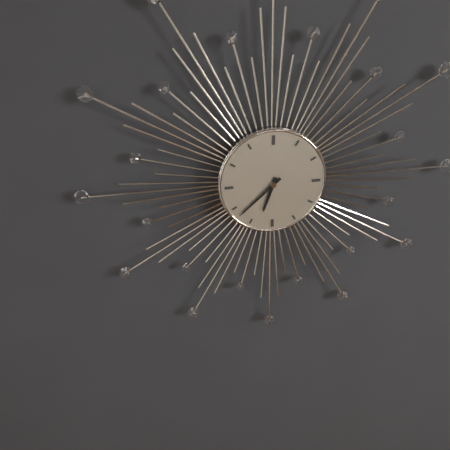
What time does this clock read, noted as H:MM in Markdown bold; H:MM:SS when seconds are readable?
**6:38**
